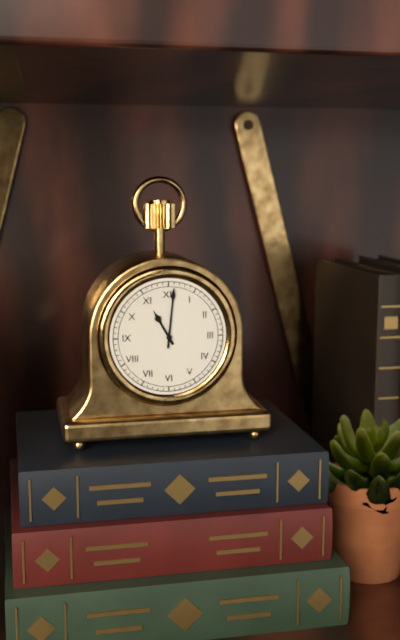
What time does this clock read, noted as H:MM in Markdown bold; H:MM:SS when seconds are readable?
**11:01**
